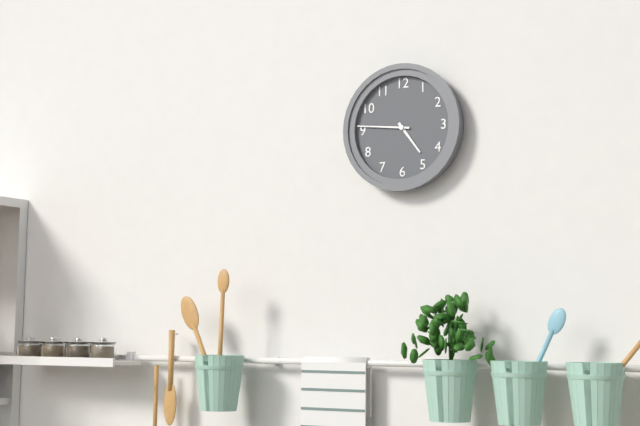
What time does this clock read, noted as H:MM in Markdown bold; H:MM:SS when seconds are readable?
**4:46**
